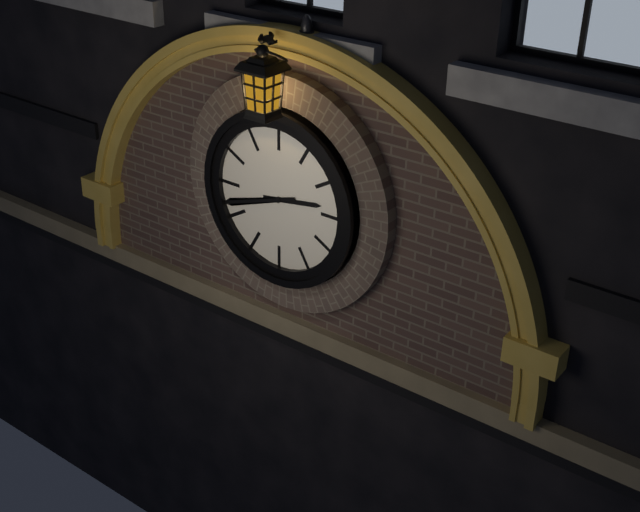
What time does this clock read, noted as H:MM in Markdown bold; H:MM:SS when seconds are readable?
**2:42**
